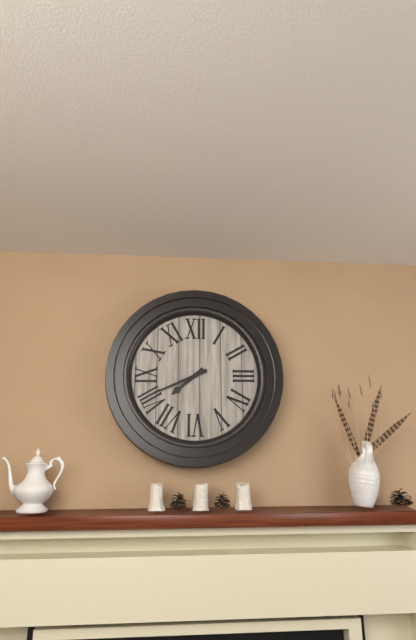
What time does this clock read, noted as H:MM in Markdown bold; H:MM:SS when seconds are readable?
**7:41**
